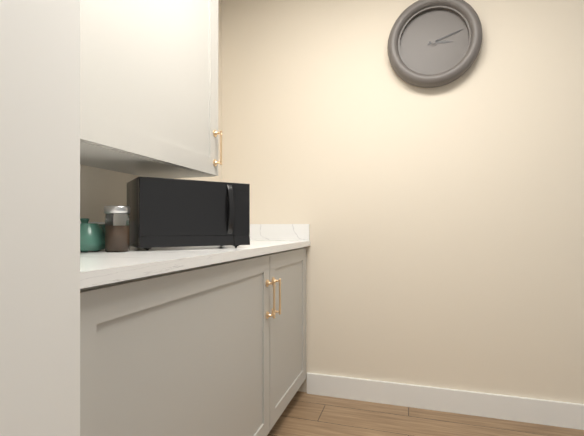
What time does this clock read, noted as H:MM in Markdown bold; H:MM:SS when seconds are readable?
**3:12**
